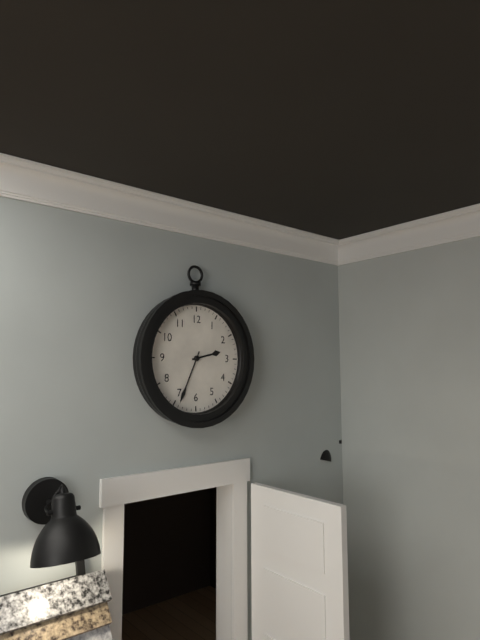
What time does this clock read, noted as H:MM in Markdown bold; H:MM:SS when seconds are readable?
**2:34**
